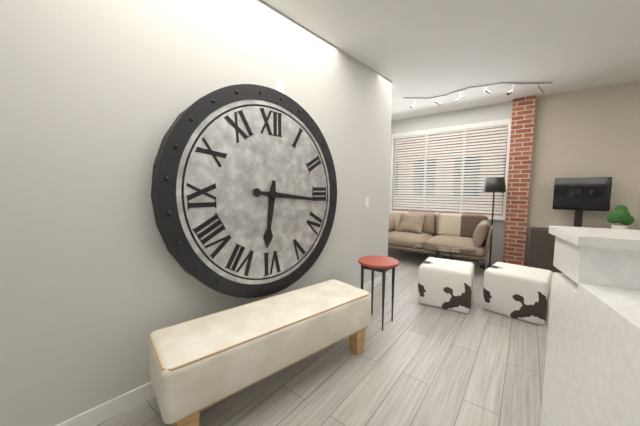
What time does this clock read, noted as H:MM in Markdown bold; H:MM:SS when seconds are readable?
**6:16**
